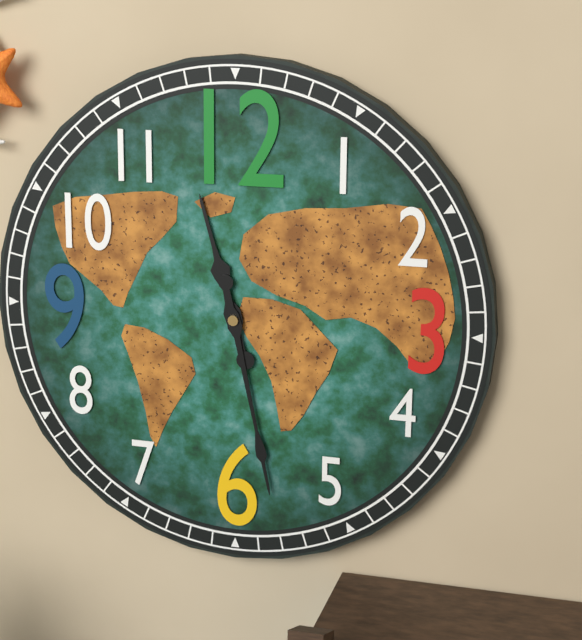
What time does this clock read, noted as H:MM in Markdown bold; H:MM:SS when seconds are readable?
**11:28**
